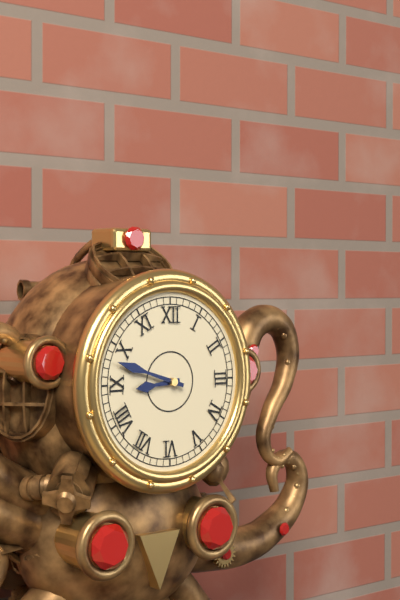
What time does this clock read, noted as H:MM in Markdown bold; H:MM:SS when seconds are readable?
**8:48**
